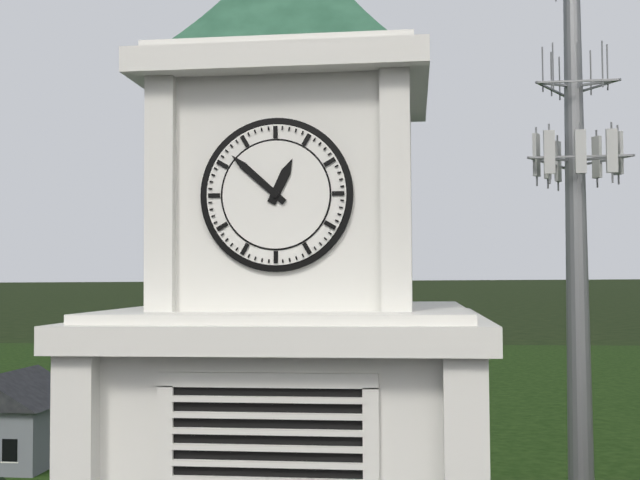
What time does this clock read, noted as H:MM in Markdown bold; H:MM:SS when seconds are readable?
**12:52**
